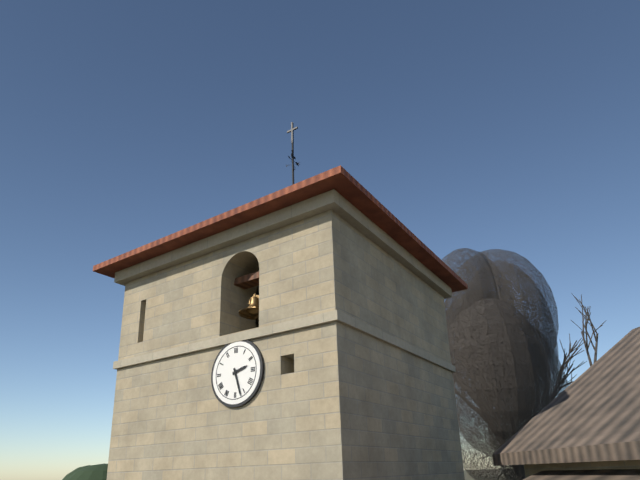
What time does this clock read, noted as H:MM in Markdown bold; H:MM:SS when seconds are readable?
**2:27**
